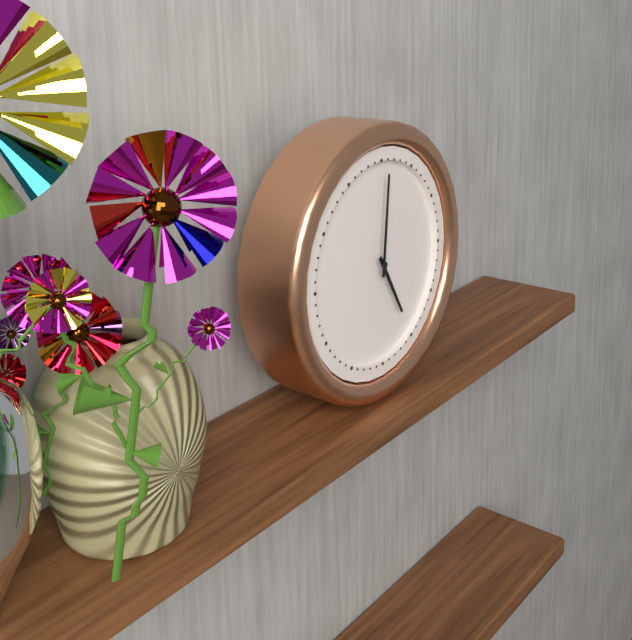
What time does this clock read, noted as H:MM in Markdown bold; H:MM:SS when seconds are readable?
**5:01**
